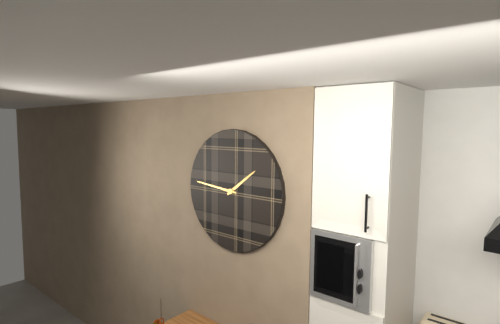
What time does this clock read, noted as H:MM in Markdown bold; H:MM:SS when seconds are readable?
**1:46**
